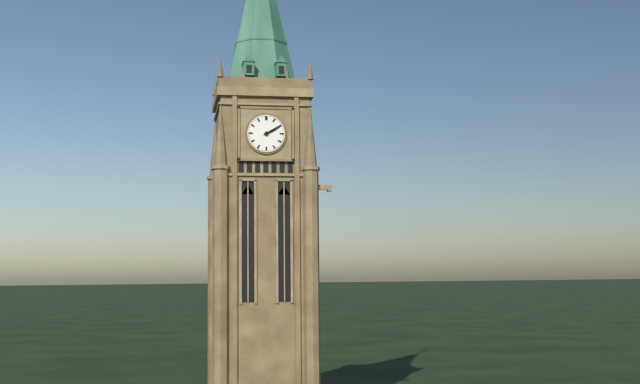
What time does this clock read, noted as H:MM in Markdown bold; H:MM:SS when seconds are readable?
**2:10**
